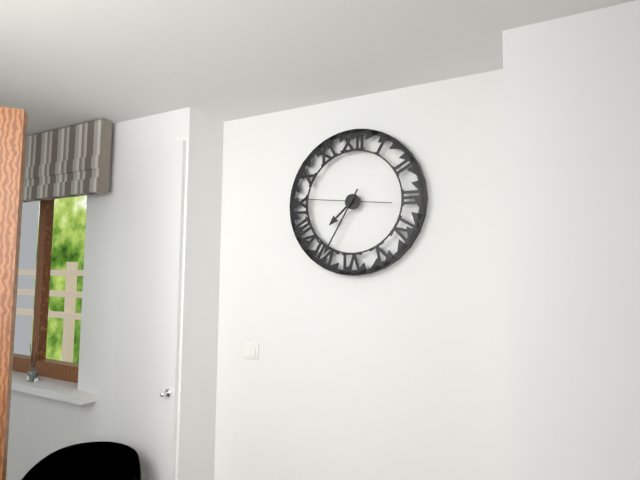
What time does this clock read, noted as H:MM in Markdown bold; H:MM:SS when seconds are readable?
**7:35:46**
